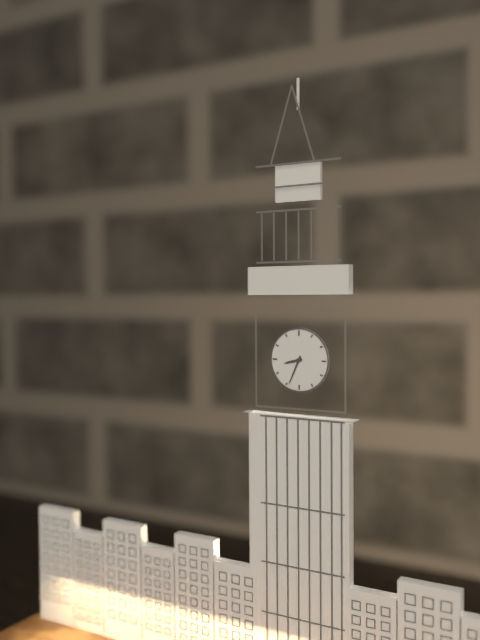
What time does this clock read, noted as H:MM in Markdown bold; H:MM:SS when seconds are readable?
**8:34**
